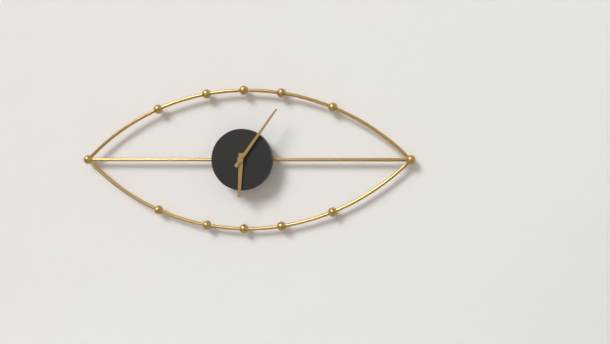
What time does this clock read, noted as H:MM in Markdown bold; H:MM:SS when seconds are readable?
**6:06**
